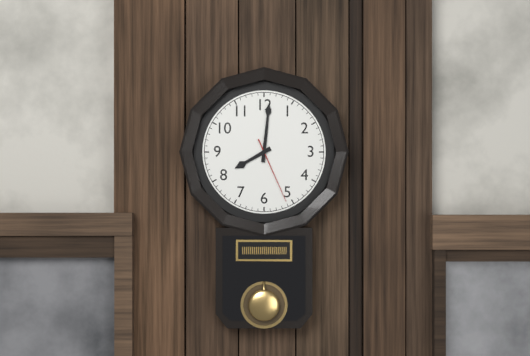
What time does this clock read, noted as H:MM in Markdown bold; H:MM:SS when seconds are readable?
**8:01:26**
